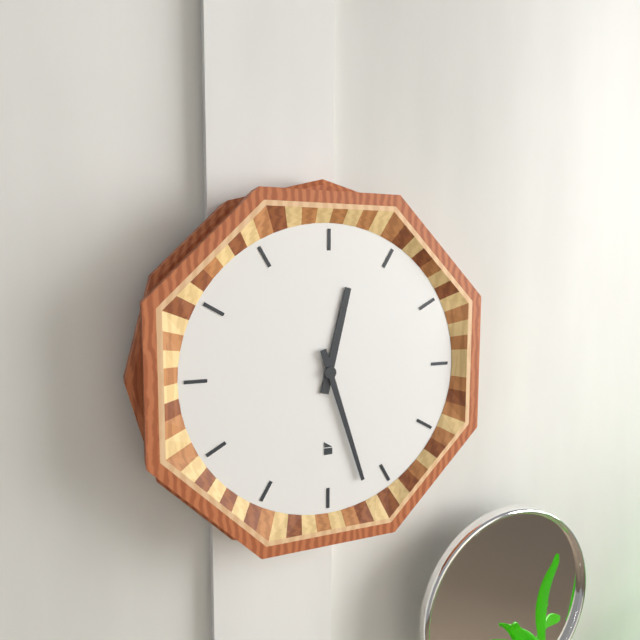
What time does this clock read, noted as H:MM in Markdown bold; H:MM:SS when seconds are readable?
**12:27**
